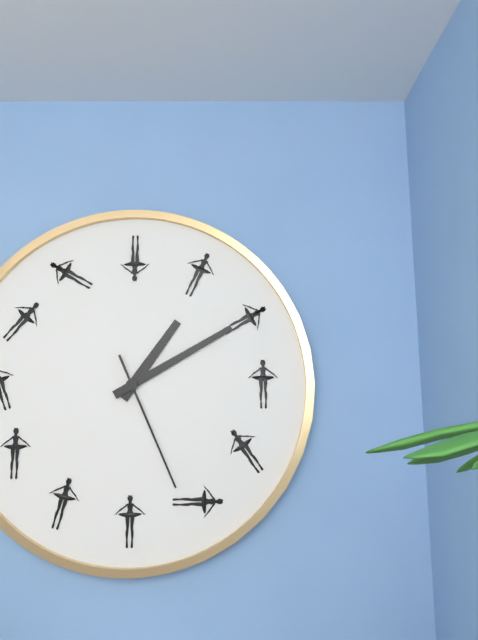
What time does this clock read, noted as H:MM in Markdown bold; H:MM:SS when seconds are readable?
**1:10:26**
